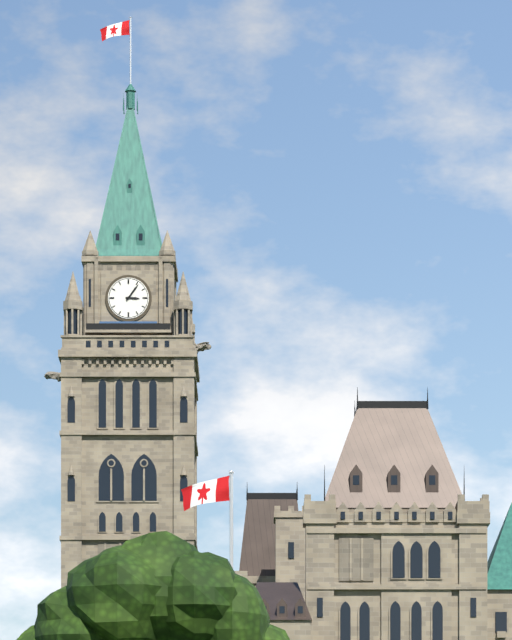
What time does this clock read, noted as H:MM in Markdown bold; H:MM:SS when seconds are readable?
**3:06**
